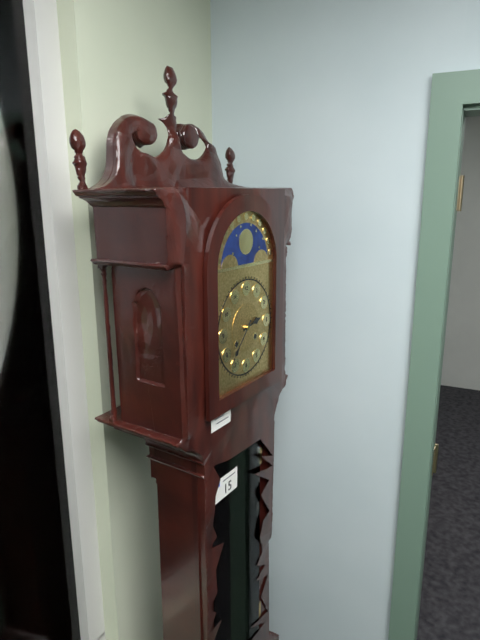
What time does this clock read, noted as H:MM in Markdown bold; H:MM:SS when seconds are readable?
**2:37**
